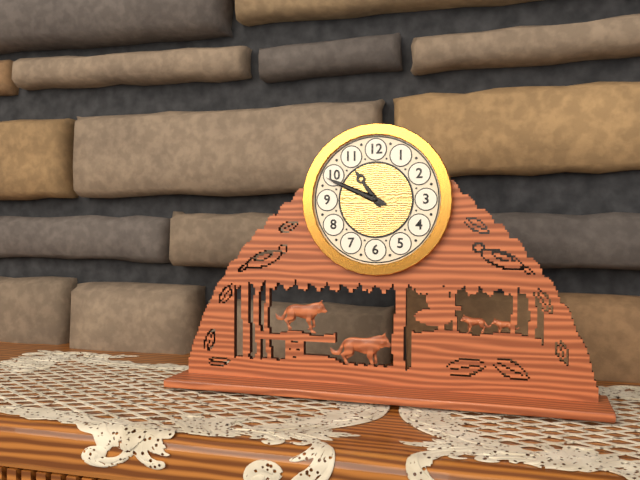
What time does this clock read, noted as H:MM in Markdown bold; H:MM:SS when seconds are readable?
**10:49**
